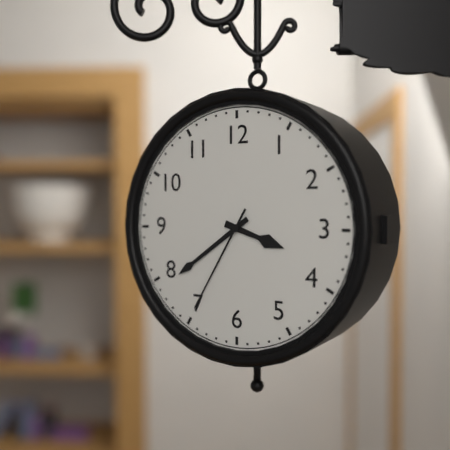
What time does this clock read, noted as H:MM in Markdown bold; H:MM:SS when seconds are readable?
**3:39:35**
